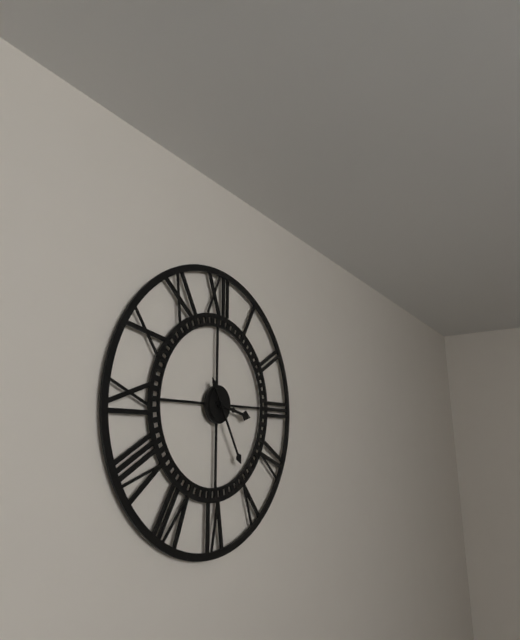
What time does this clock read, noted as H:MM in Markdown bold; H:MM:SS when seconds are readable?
**3:25**
